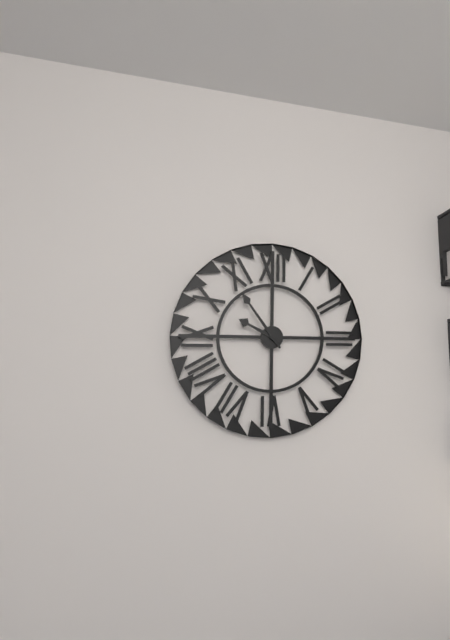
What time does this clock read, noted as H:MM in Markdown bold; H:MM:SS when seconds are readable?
**9:54**
